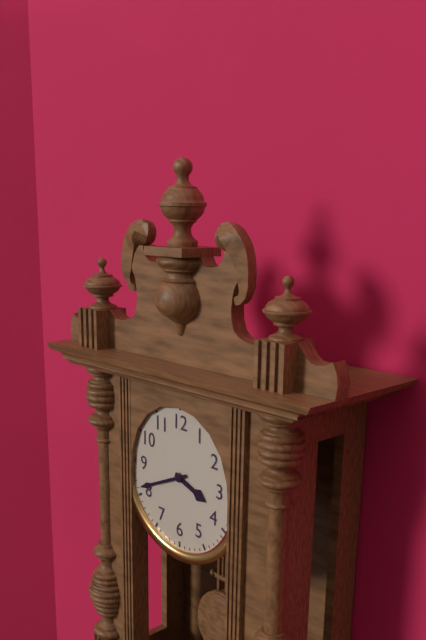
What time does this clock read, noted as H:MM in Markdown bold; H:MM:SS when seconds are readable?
**3:41**
